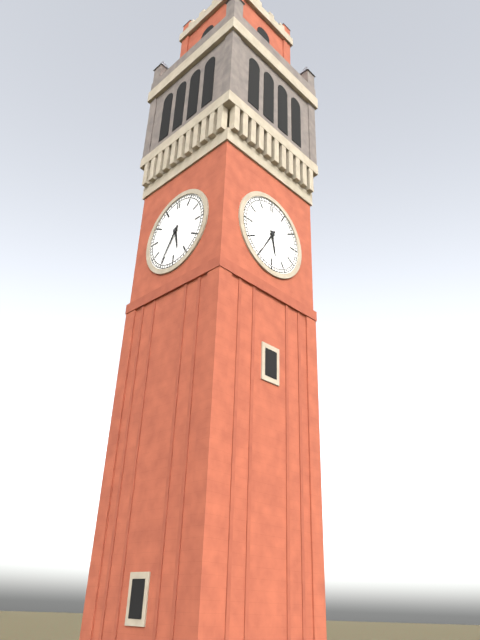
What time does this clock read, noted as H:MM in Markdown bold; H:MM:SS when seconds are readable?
**5:35**
